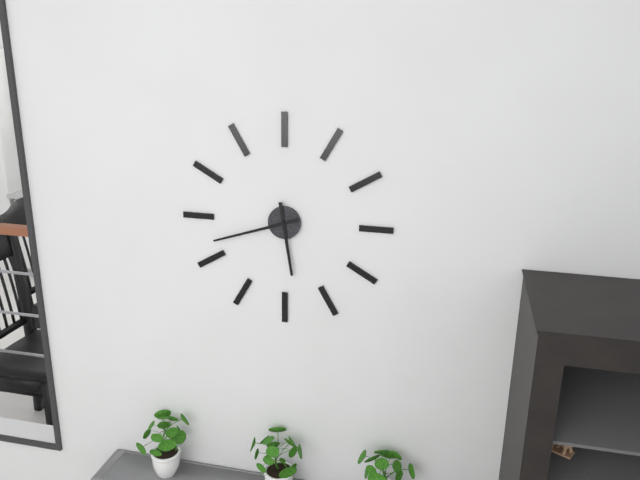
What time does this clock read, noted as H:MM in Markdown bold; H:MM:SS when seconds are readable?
**5:42**
